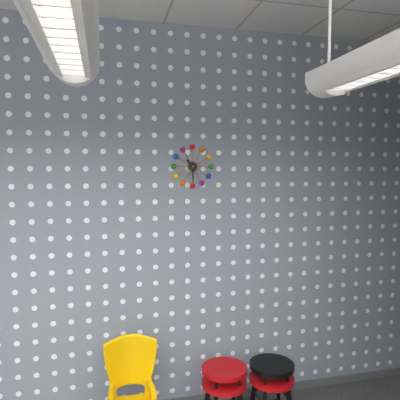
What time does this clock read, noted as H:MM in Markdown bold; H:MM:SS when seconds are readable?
**10:30**
